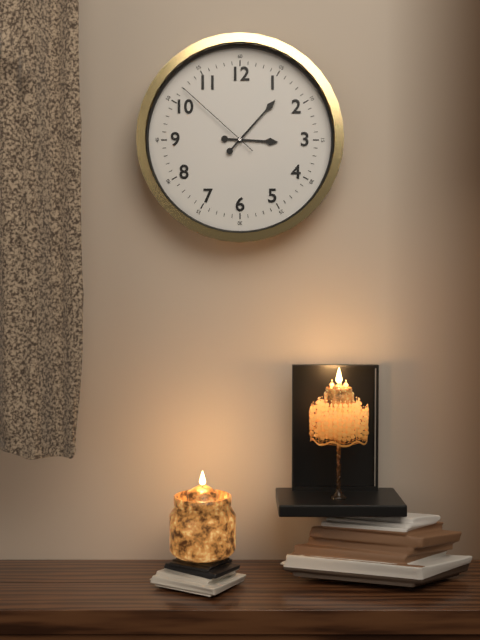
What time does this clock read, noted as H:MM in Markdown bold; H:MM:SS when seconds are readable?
**3:07:52**
